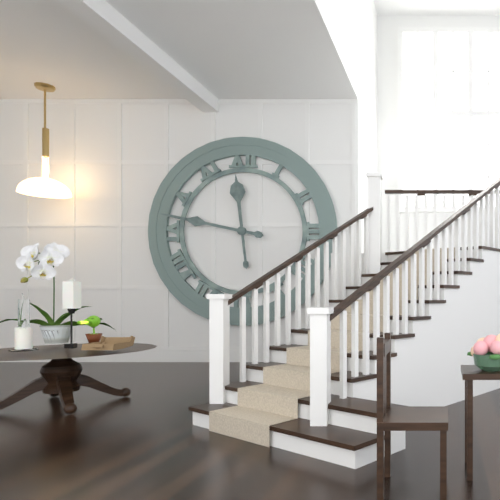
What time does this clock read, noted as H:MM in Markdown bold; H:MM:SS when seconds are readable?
**11:47**
